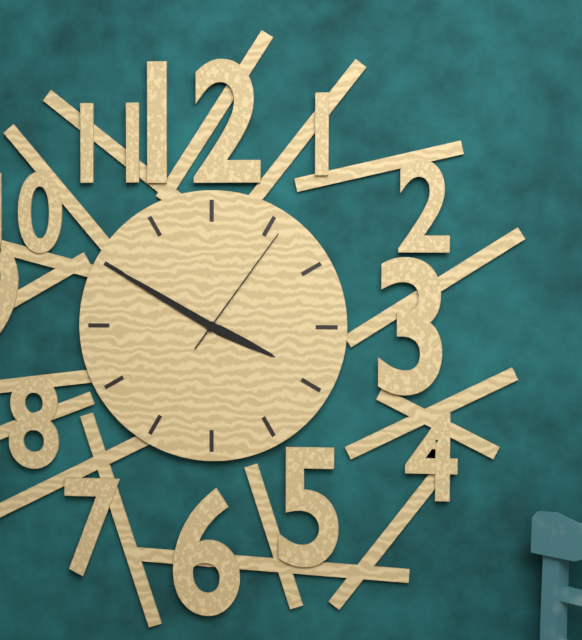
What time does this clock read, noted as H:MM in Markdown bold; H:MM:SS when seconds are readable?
**3:50:06**
